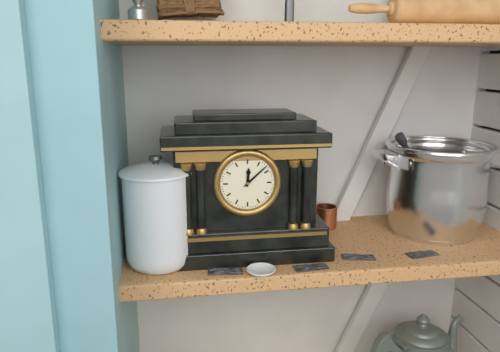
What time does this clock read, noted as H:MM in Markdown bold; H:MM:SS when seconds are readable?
**12:08**
